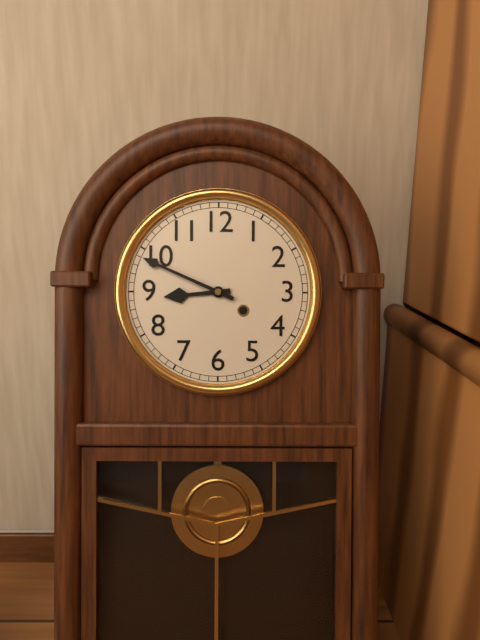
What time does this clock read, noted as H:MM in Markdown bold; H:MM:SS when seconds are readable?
**8:49**
